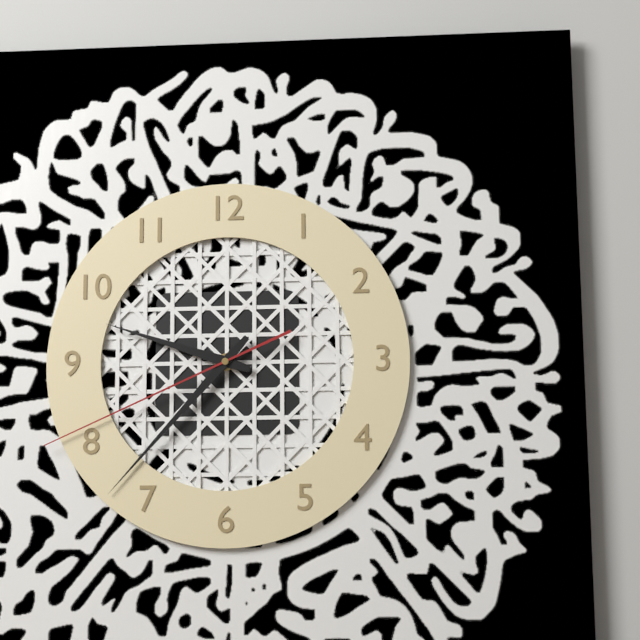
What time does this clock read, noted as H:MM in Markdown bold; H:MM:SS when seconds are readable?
**9:37:41**
